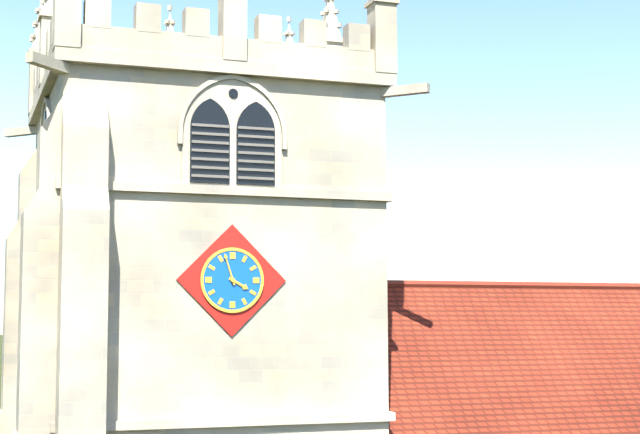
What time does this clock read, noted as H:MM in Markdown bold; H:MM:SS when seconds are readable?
**3:57**
